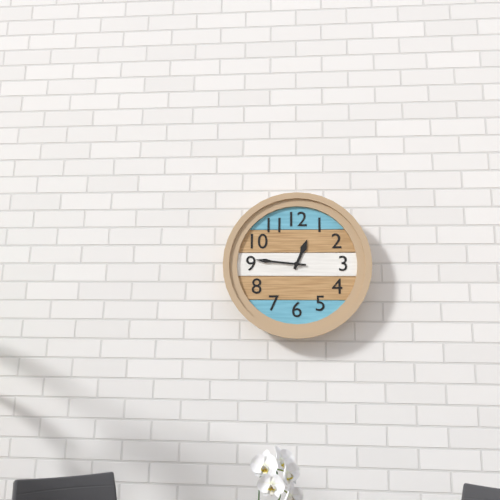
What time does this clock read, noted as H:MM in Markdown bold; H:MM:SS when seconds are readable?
**12:46**
